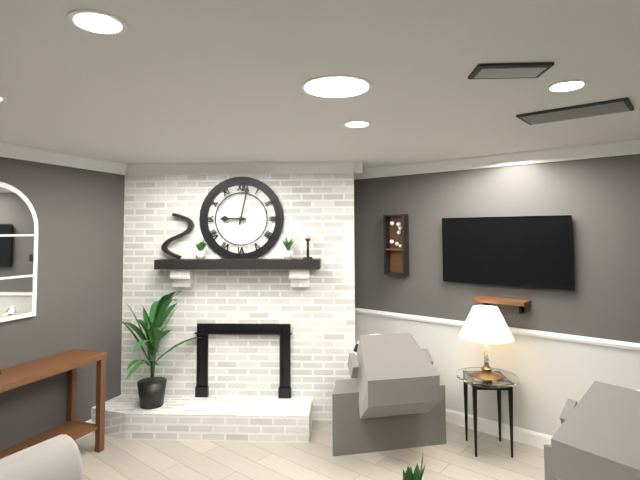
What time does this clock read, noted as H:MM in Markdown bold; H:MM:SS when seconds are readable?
**9:02**
